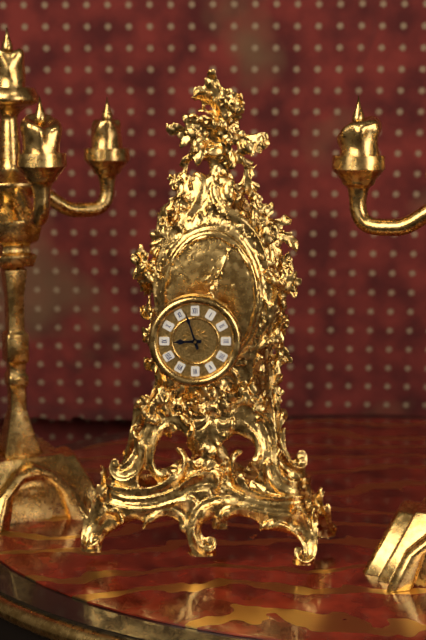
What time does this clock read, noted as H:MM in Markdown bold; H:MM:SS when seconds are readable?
**8:57**
